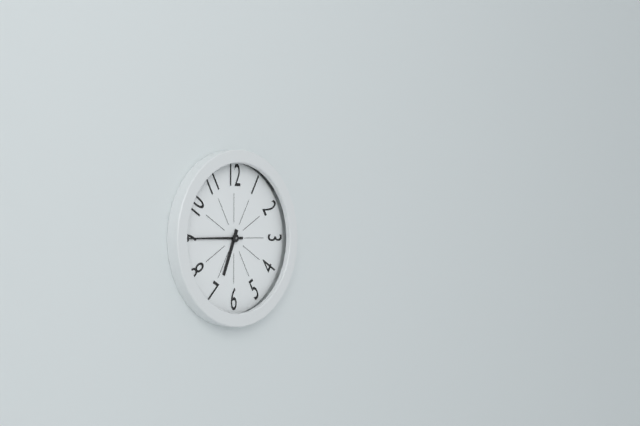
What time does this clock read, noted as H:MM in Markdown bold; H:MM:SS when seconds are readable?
**6:45**
